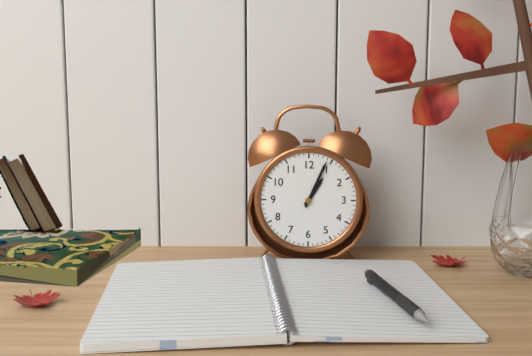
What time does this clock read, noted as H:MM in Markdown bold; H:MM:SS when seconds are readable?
**1:04**
